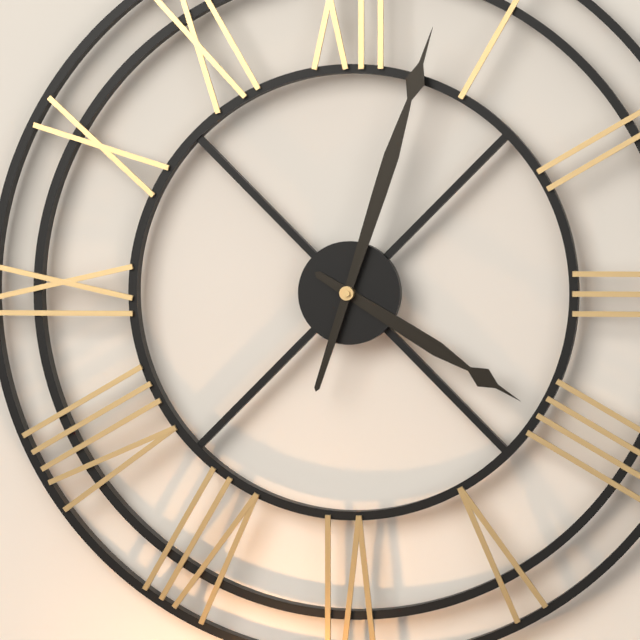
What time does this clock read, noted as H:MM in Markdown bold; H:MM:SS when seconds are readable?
**4:03**
